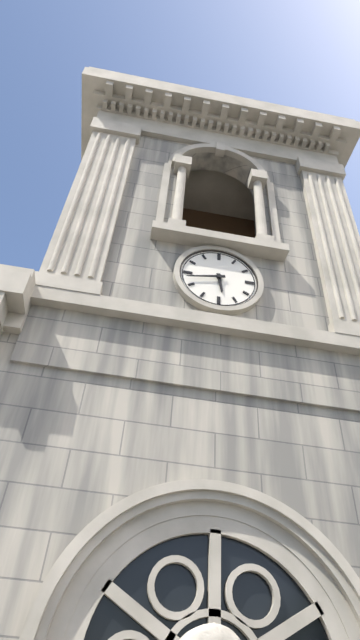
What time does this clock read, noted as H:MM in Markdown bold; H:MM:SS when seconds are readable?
**5:43**
